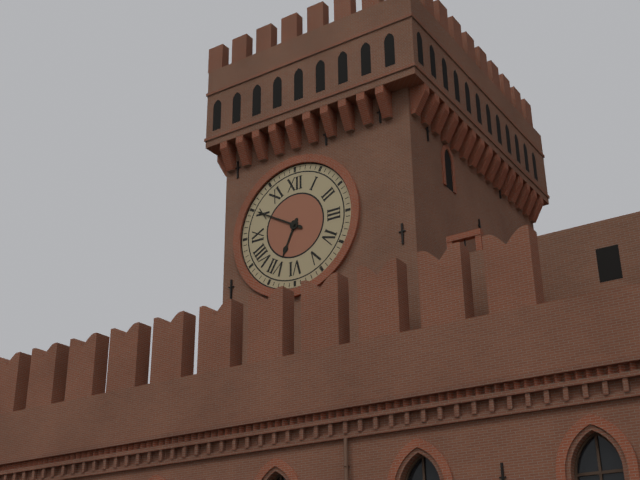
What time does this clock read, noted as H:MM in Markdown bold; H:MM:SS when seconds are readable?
**6:50**
